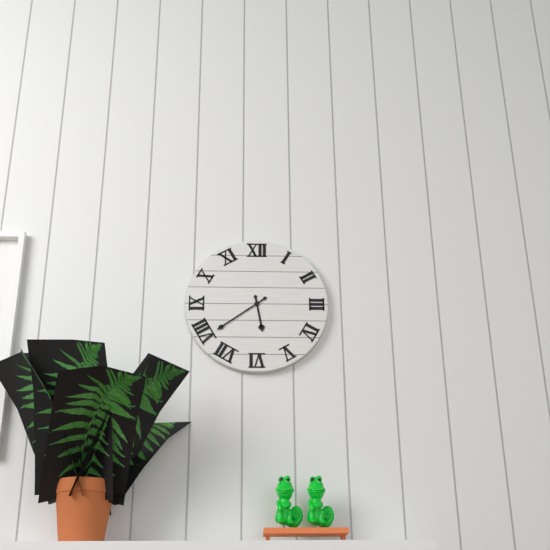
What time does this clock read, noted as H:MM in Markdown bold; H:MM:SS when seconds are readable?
**5:39**
